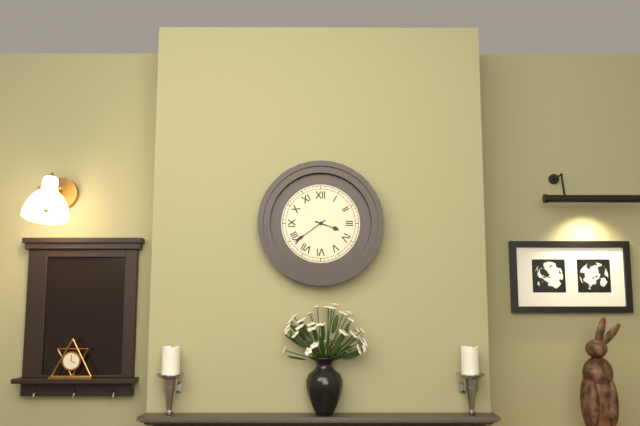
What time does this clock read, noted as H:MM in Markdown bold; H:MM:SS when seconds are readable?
**3:39**
